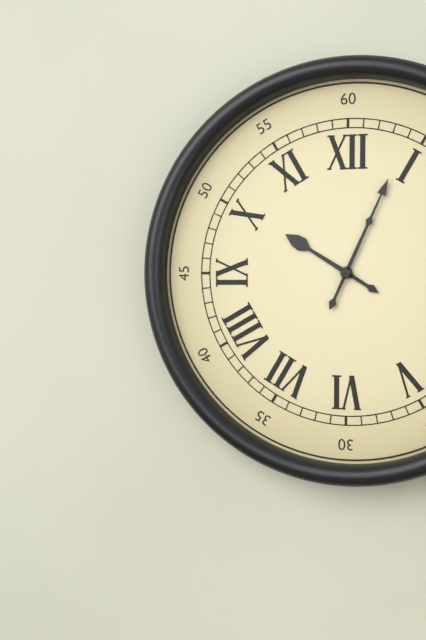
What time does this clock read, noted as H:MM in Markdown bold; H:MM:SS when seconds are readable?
**10:04**
